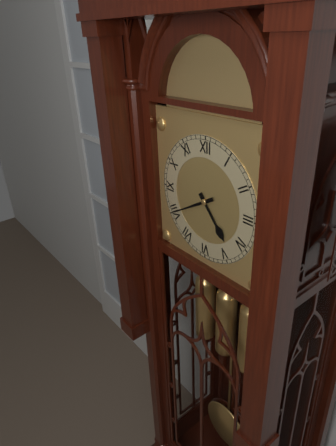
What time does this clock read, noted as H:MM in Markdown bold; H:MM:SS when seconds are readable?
**4:40**
